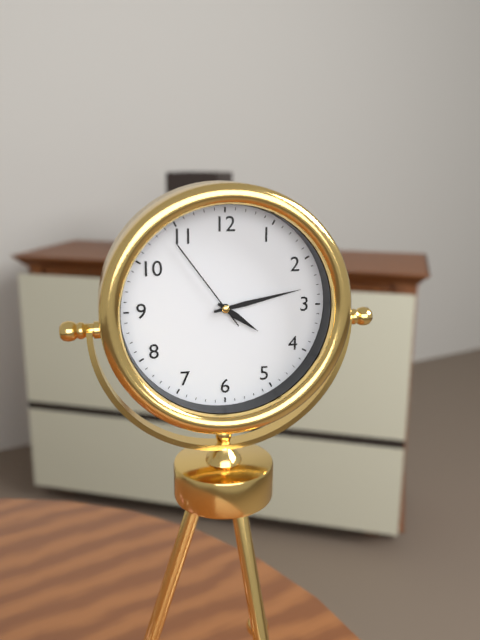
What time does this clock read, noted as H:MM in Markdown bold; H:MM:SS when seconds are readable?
**4:13:54**
